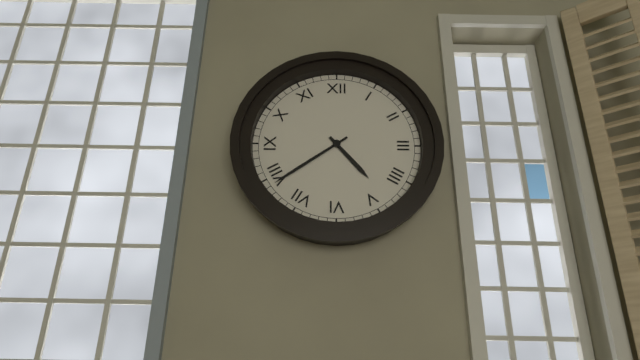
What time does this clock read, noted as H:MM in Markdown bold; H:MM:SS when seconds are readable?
**4:39**
